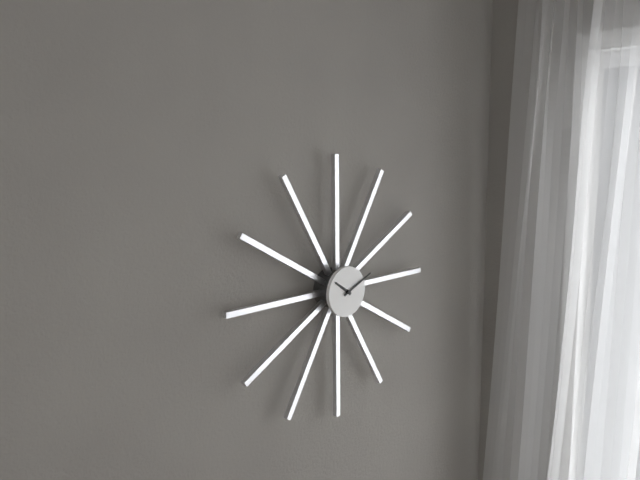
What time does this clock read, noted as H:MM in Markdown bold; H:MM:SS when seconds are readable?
**10:11**
